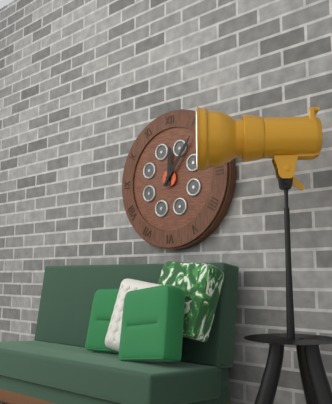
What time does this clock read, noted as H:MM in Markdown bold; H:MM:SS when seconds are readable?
**12:06**
